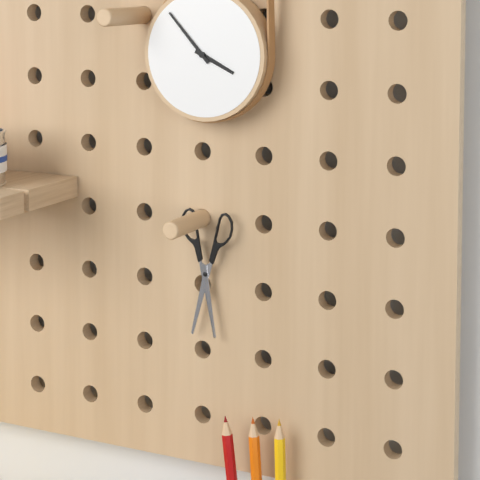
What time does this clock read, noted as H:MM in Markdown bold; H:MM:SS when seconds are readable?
**3:53**
